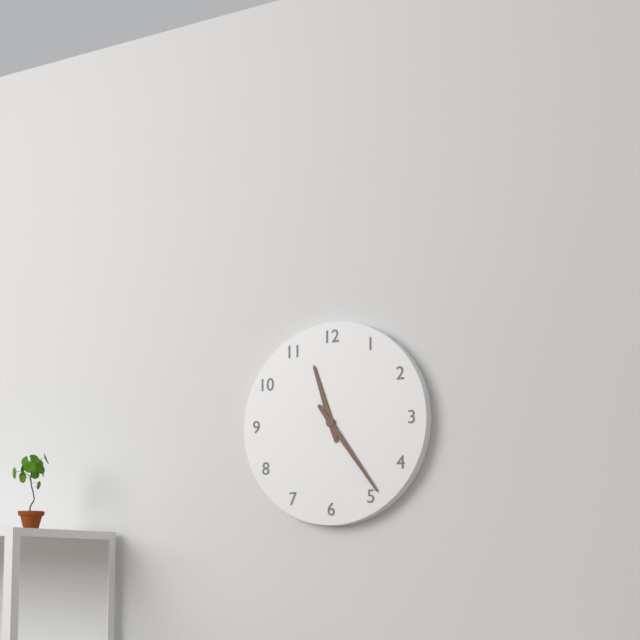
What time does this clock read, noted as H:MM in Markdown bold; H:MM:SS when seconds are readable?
**11:24**
